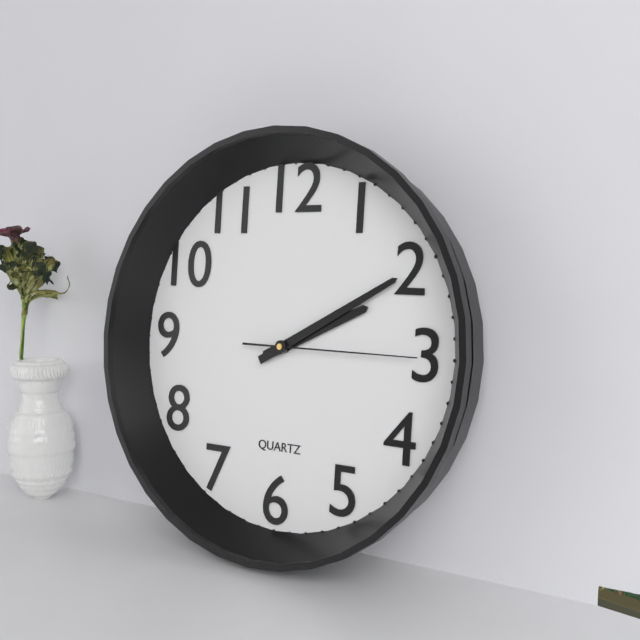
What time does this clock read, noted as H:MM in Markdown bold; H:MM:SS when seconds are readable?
**2:10:15**
